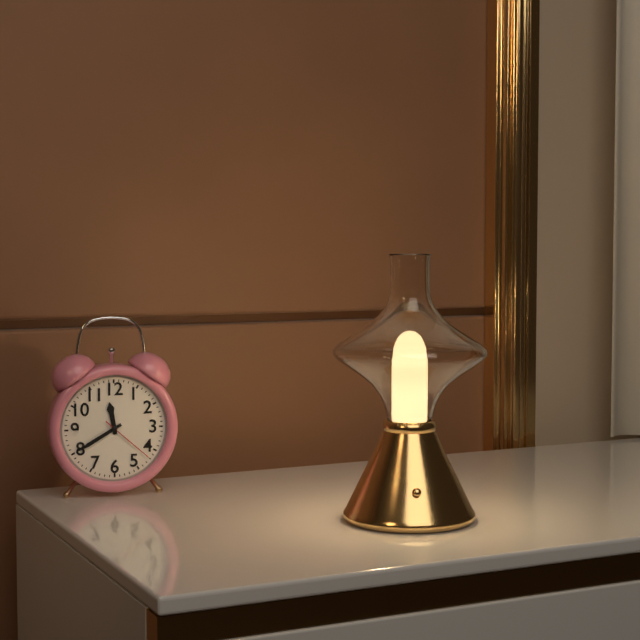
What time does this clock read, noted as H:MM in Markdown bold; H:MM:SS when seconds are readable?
**11:40:22**
